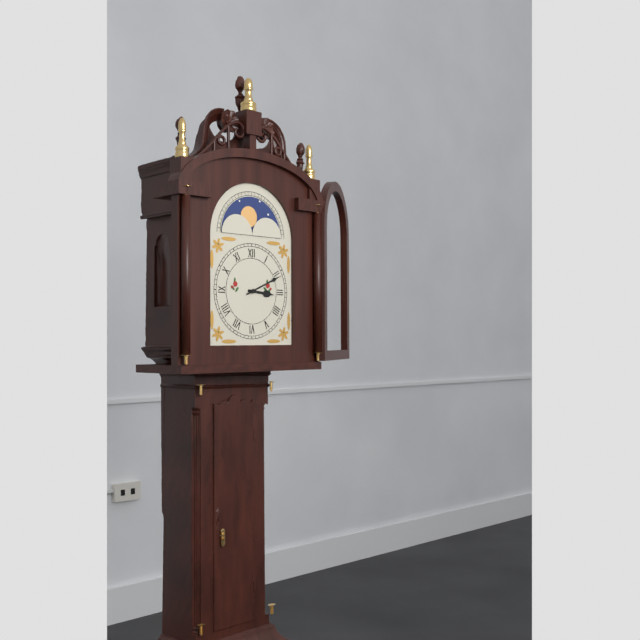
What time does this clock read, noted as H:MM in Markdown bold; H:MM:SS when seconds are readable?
**3:11**
